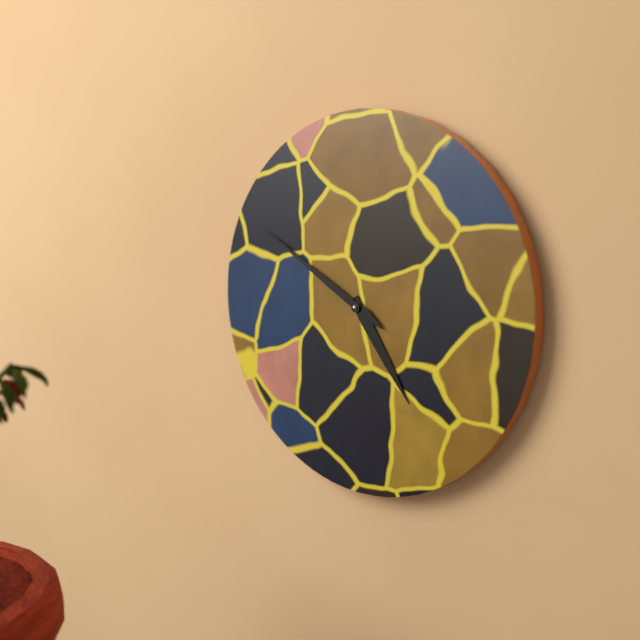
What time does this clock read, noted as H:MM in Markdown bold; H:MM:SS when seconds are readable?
**4:50**
